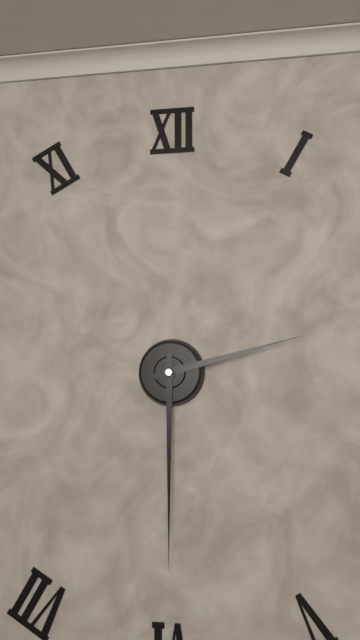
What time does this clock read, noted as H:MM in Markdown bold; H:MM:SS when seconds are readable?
**2:30**
